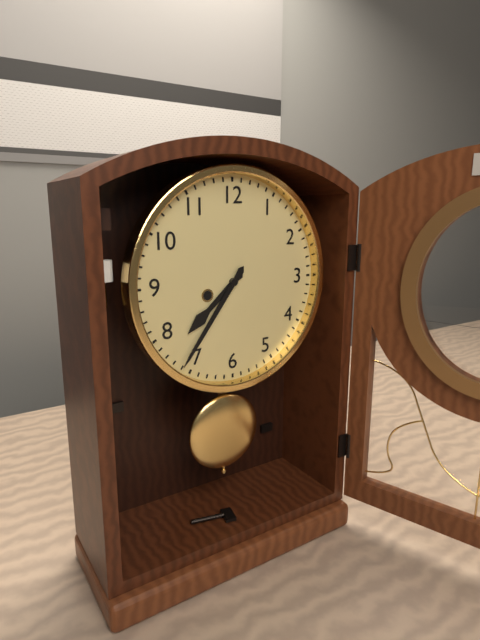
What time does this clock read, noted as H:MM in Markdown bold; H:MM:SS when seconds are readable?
**7:36**
